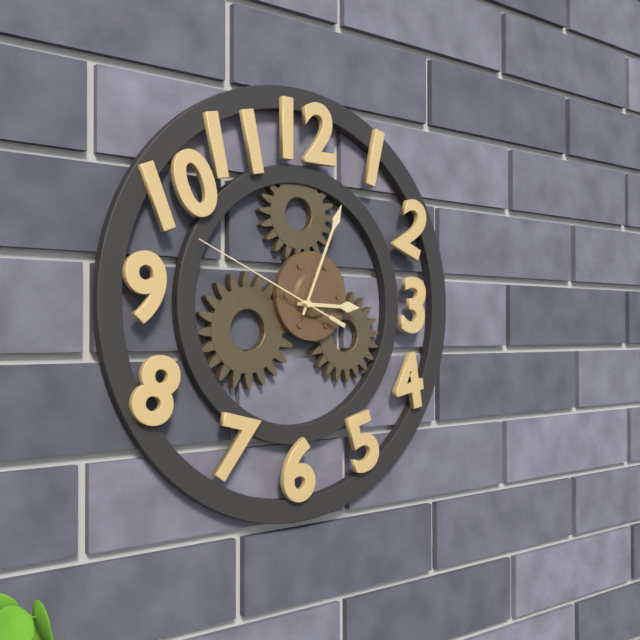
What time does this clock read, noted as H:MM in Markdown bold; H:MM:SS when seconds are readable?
**3:04:49**
